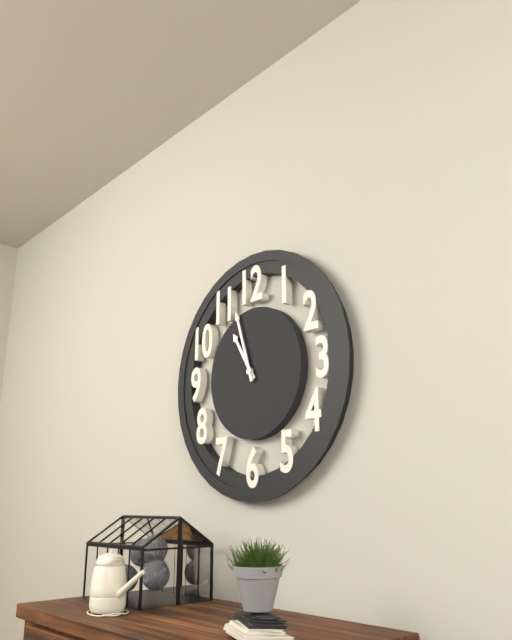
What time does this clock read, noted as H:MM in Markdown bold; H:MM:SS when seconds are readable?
**10:57**
